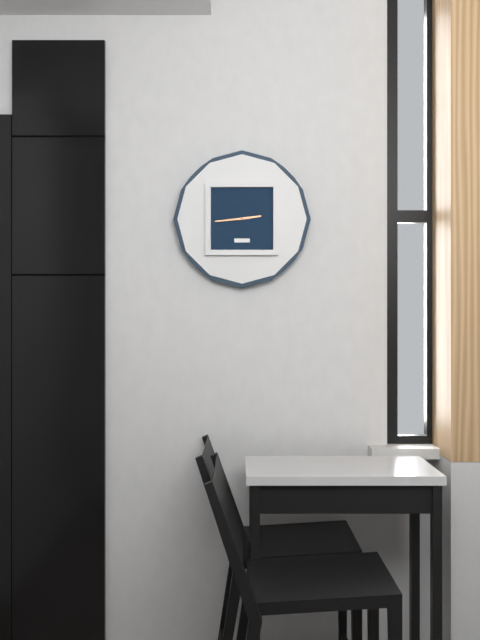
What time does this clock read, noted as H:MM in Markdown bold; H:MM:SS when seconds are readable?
**2:44**
